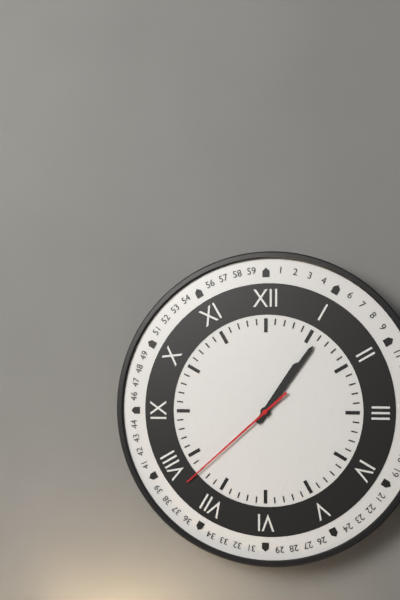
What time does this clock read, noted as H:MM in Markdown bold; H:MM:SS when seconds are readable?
**1:06:38**
